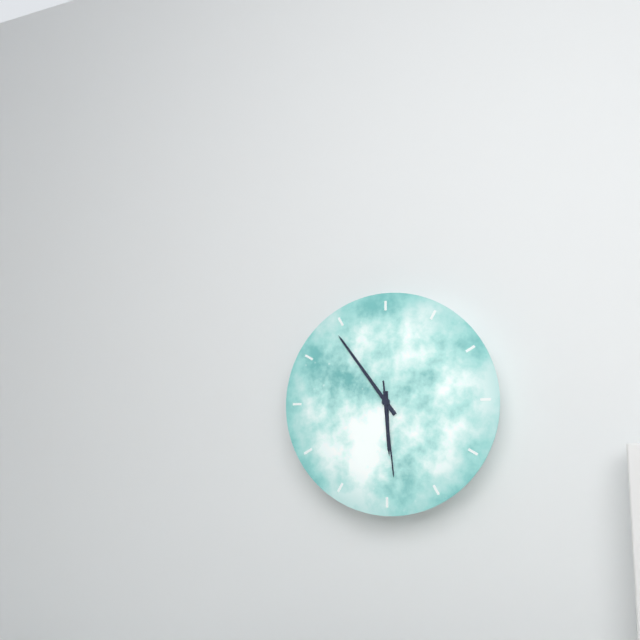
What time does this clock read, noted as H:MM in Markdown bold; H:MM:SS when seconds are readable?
**5:54:29**
